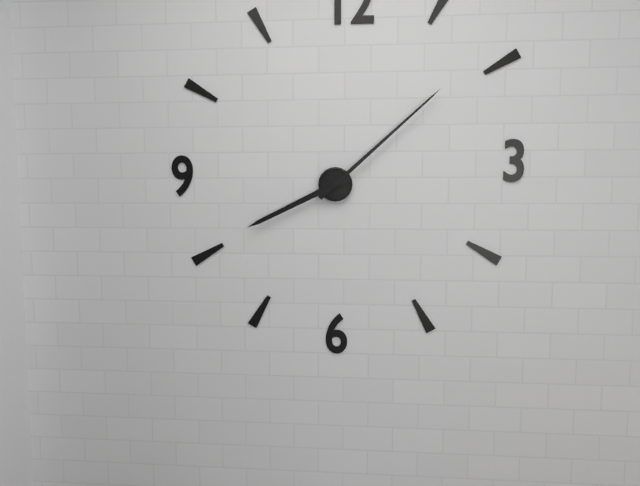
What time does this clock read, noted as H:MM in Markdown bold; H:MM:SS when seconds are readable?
**8:08**
